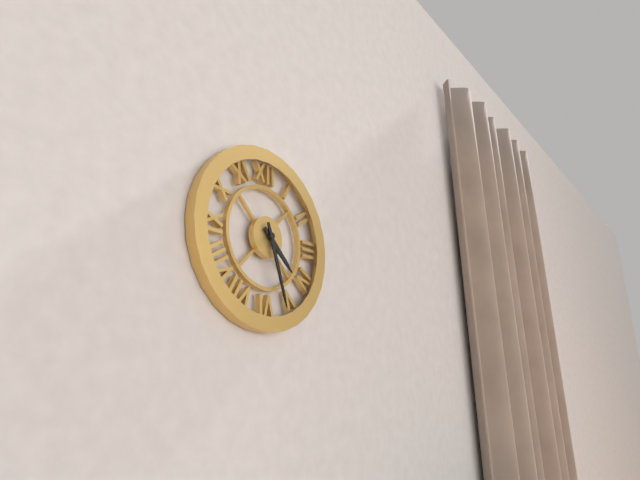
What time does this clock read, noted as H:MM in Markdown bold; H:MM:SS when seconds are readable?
**4:27**
